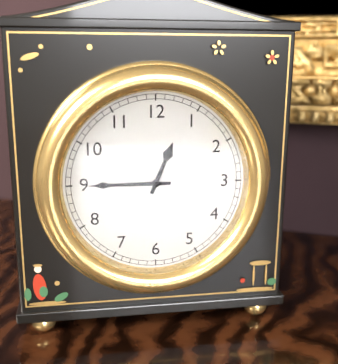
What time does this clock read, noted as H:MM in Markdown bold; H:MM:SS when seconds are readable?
**12:45**
